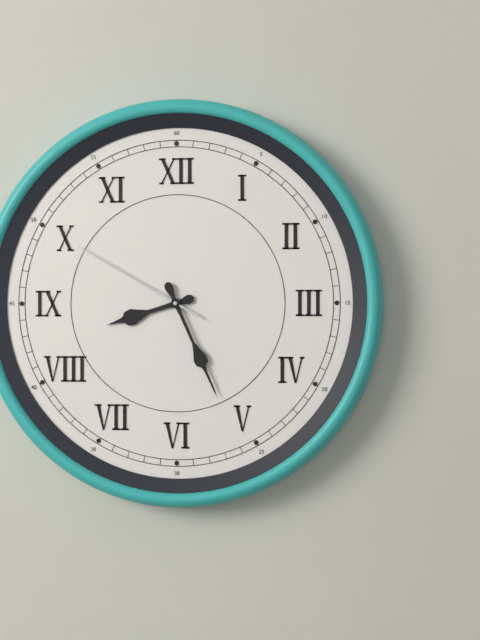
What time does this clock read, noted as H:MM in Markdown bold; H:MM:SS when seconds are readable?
**8:26:50**
